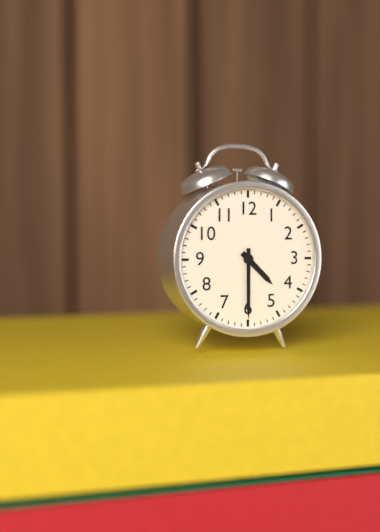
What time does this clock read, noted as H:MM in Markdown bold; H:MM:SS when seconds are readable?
**4:30**
